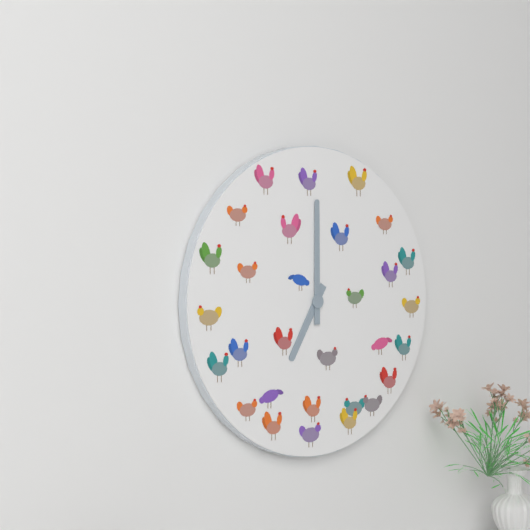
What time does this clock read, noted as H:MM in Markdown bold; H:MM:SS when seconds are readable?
**7:00**
